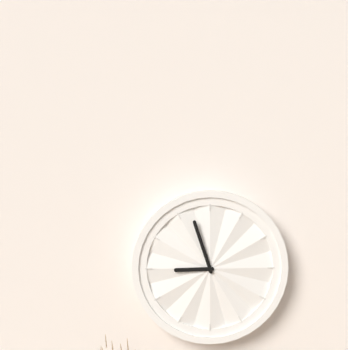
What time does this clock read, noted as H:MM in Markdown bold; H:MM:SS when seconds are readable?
**8:57**
